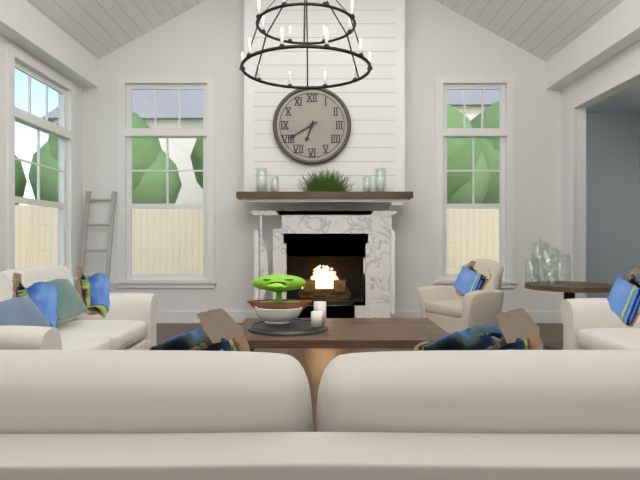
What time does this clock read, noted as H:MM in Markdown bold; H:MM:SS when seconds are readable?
**6:40**
